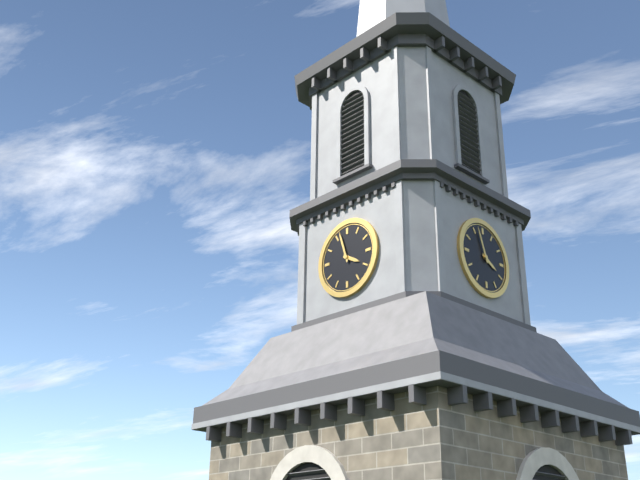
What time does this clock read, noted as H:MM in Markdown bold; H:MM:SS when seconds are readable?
**3:57**
